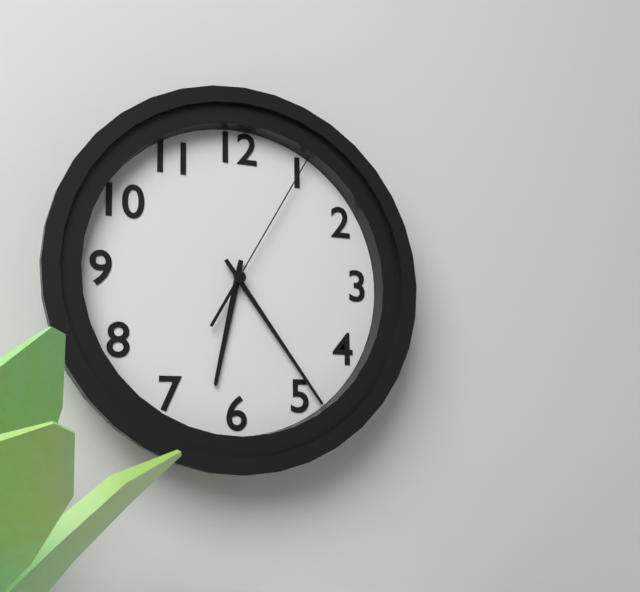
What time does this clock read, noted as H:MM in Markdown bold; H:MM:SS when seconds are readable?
**6:24:05**
